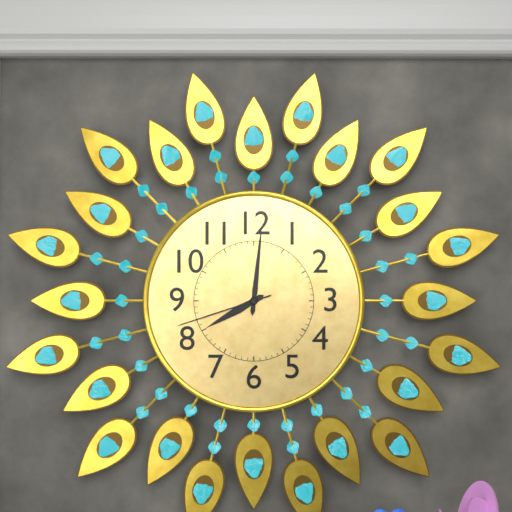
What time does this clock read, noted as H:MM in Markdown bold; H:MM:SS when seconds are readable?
**8:01:42**
